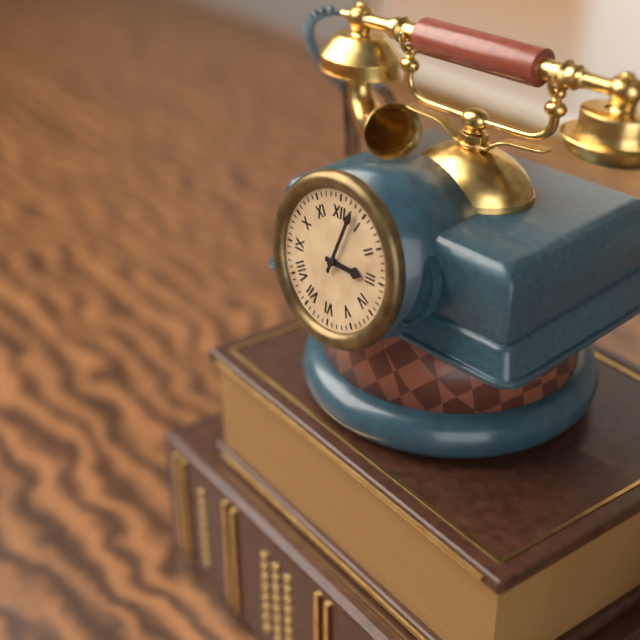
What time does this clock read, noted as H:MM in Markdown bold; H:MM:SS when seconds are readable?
**3:03**
